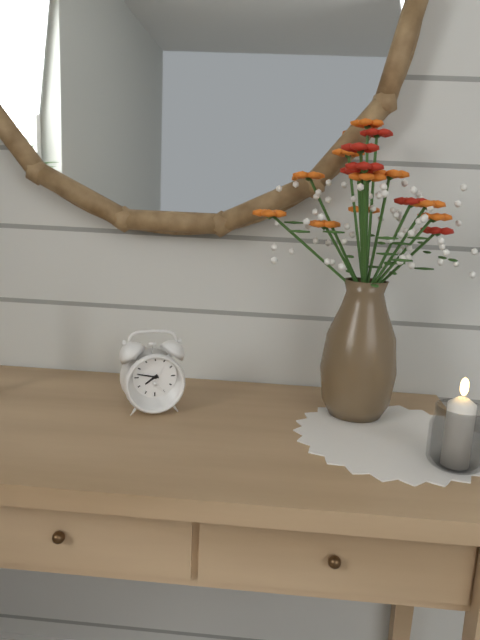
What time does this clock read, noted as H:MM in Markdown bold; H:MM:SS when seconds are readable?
**7:47**
